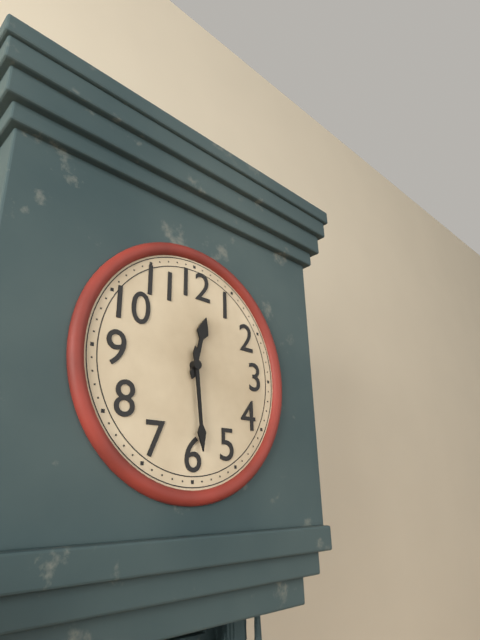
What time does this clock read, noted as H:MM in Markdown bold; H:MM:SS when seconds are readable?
**12:29**
